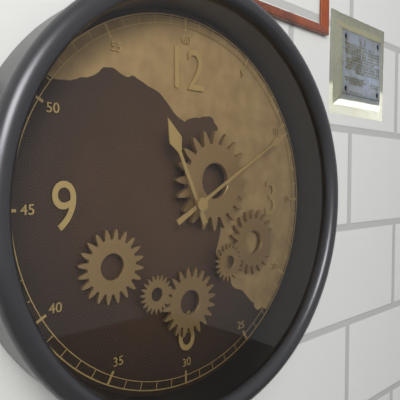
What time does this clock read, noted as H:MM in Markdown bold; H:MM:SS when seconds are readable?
**11:10**
